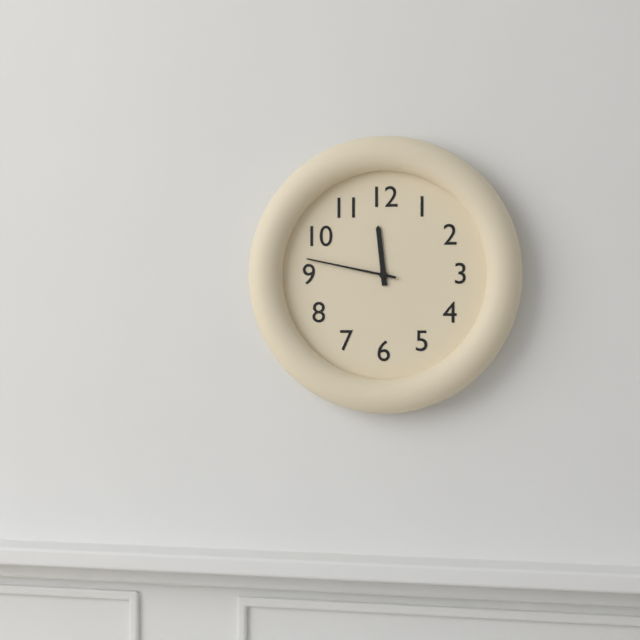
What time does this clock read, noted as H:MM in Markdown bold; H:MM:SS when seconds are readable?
**11:47**
